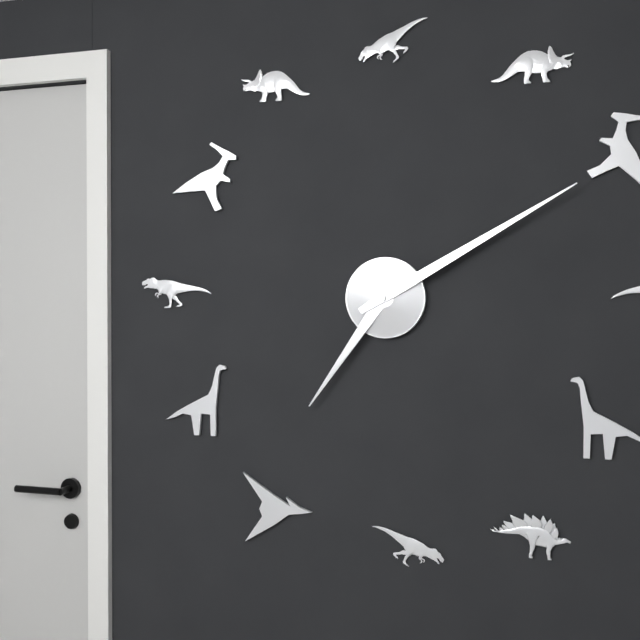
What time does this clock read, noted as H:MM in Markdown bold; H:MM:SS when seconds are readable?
**7:10**
